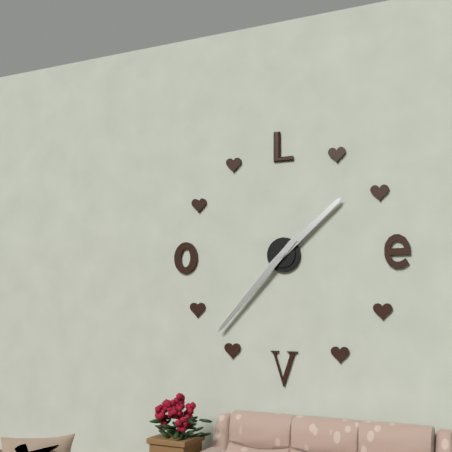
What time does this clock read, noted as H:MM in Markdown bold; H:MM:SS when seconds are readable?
**1:37**
